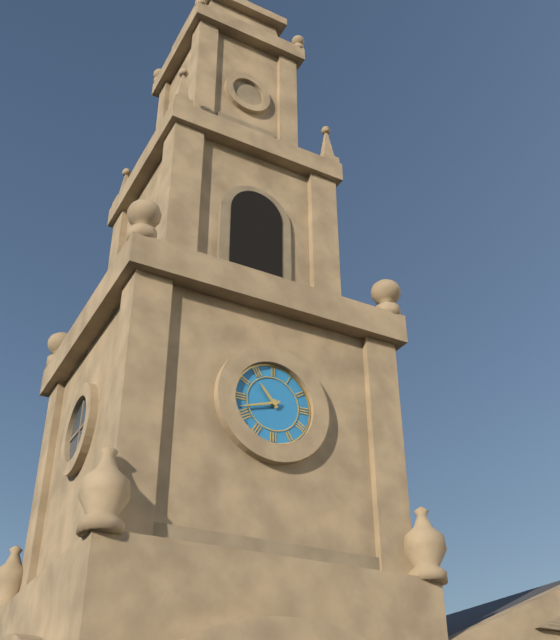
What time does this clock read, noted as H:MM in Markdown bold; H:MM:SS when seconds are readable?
**10:42**
